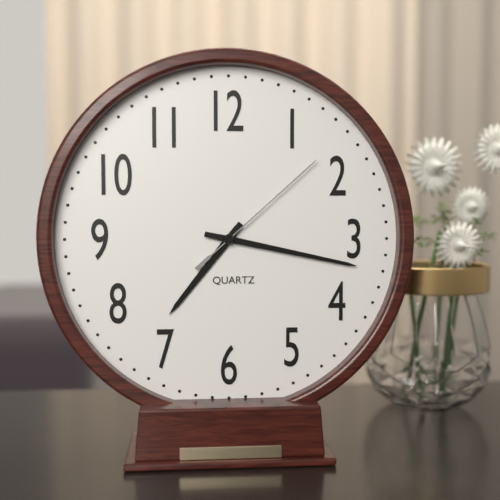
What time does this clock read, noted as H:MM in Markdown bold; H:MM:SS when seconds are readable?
**7:17:08**
